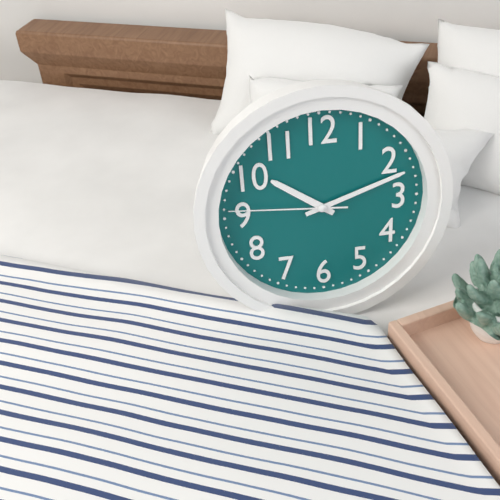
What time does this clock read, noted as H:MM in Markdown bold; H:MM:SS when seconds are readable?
**10:12:46**
